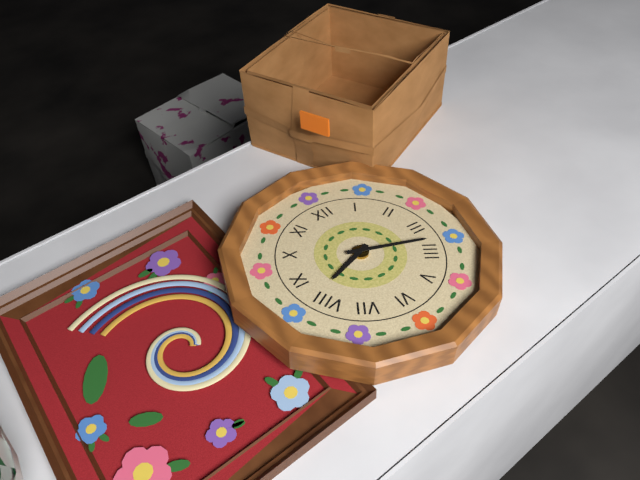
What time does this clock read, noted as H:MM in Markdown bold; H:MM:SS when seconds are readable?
**8:18**
